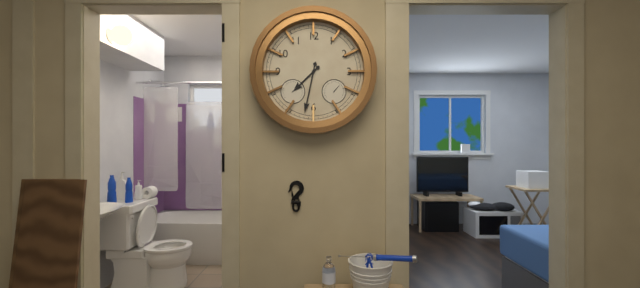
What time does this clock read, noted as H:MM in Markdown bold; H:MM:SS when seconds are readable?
**7:32**
